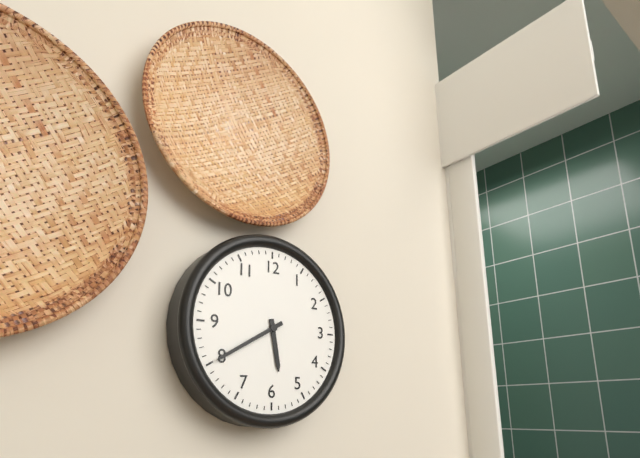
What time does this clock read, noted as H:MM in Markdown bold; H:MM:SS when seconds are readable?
**5:40**
